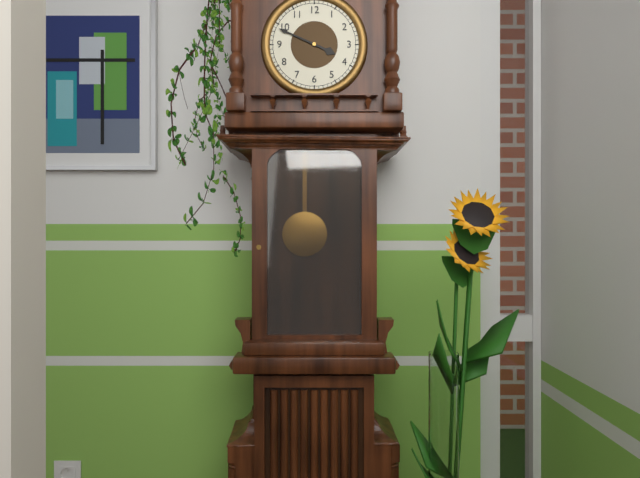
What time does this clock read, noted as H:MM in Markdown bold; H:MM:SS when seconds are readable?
**3:49**
